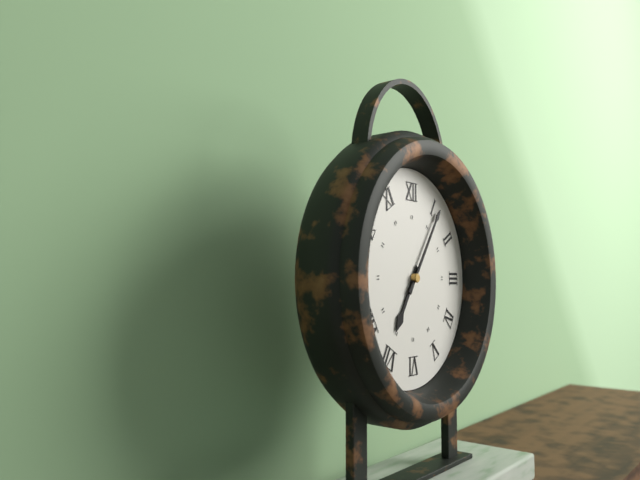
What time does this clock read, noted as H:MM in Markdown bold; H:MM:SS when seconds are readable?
**7:06**
